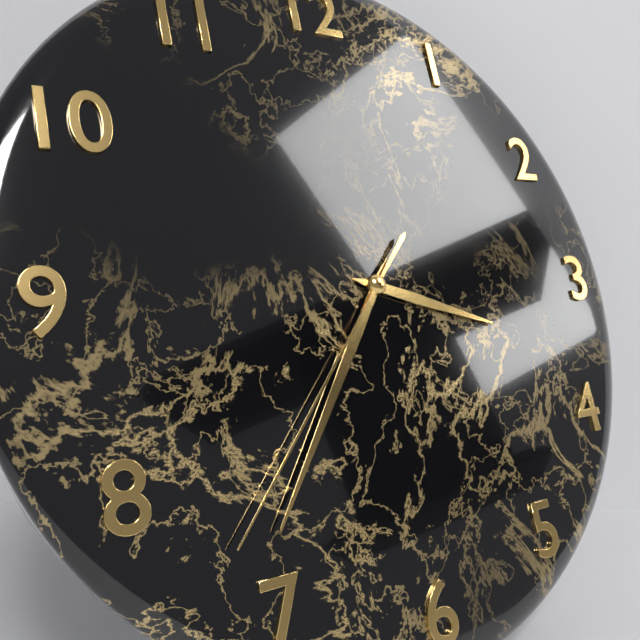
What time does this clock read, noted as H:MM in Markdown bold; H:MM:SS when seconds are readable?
**3:36:37**
